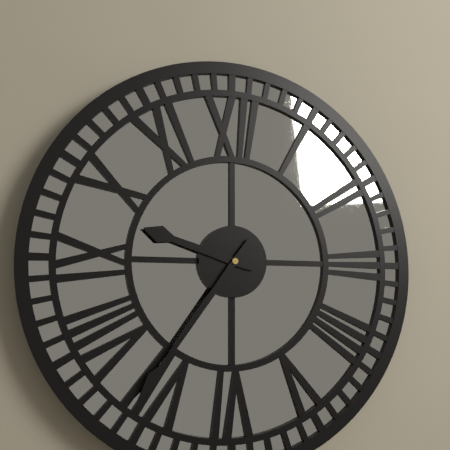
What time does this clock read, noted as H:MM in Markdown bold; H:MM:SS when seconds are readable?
**9:36**
